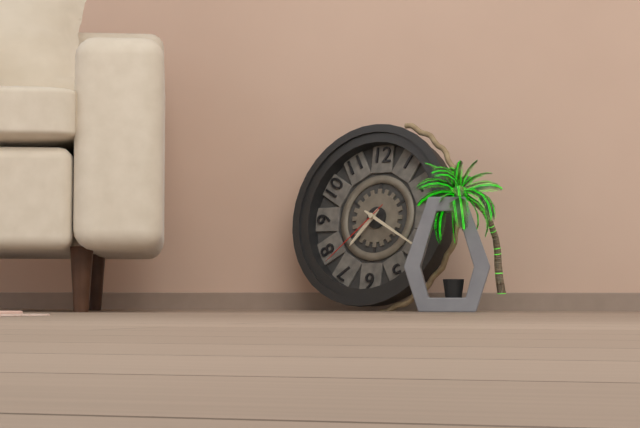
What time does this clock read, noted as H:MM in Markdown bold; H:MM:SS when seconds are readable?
**7:20:38**
